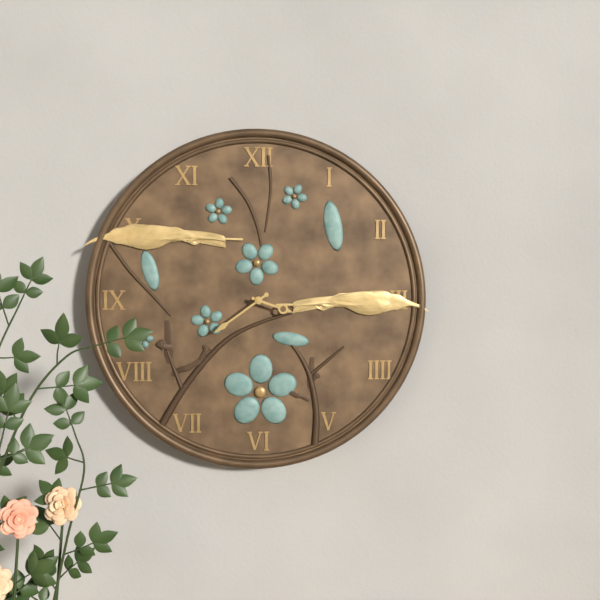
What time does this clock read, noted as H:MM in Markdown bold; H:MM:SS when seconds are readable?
**3:39**
